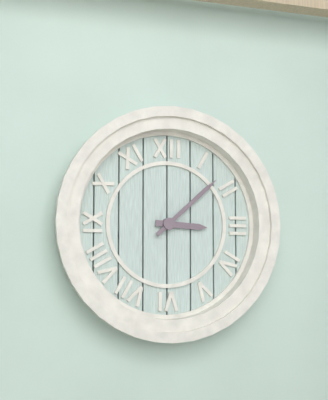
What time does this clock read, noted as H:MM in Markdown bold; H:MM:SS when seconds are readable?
**3:08**
